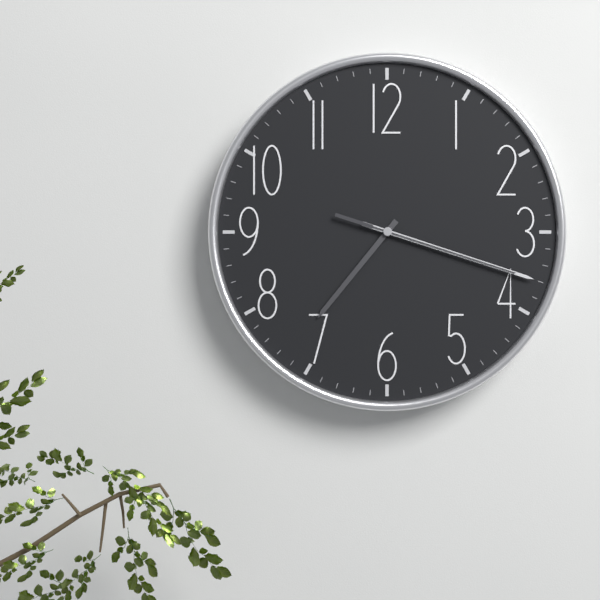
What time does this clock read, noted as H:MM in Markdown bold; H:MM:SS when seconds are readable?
**7:18:18**
